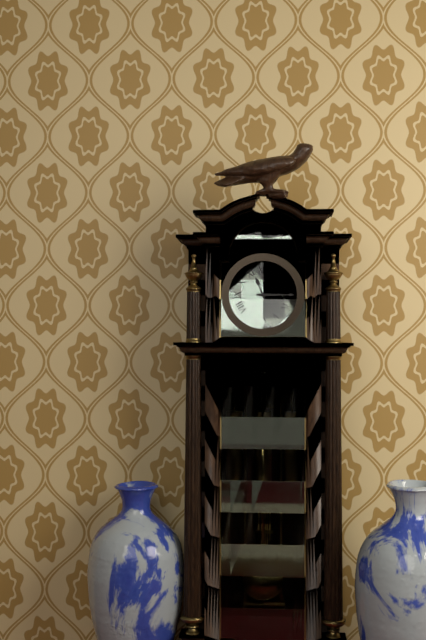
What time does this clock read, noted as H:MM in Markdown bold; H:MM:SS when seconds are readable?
**11:15**
